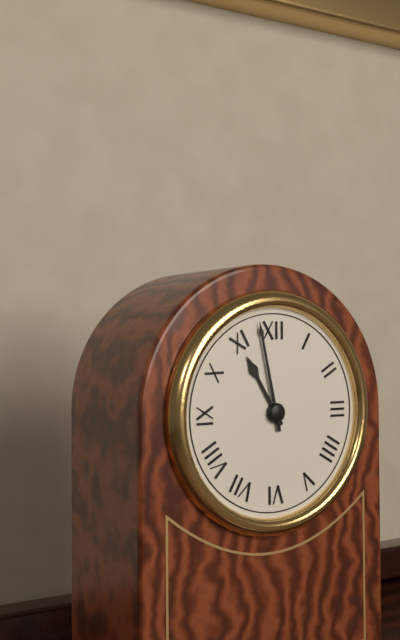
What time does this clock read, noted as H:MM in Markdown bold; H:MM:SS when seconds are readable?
**10:58**
